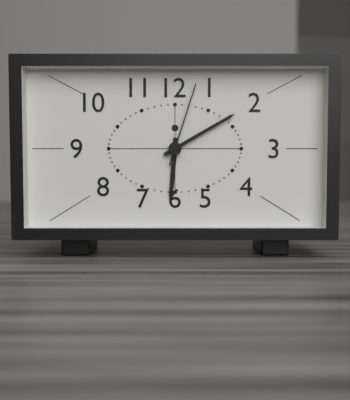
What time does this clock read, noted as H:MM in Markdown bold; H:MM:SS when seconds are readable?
**6:10:03**
